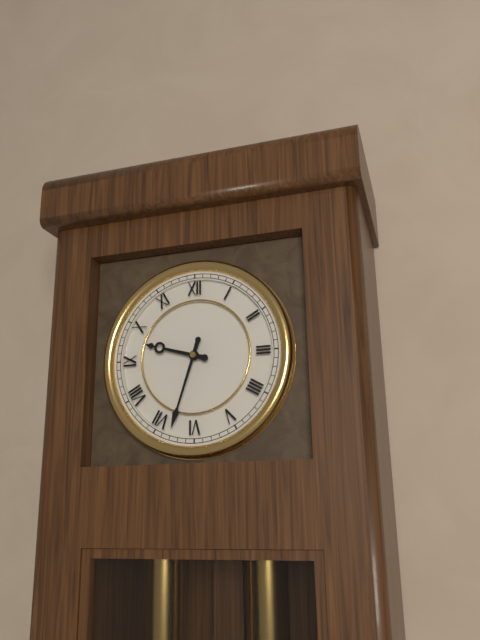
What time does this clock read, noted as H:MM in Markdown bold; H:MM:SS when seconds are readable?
**9:33**
